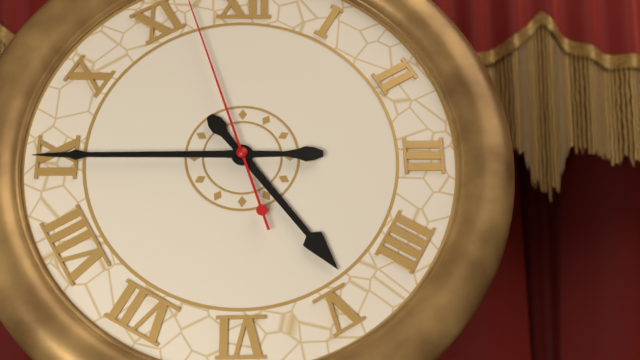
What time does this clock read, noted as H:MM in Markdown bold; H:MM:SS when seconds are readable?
**4:45**
